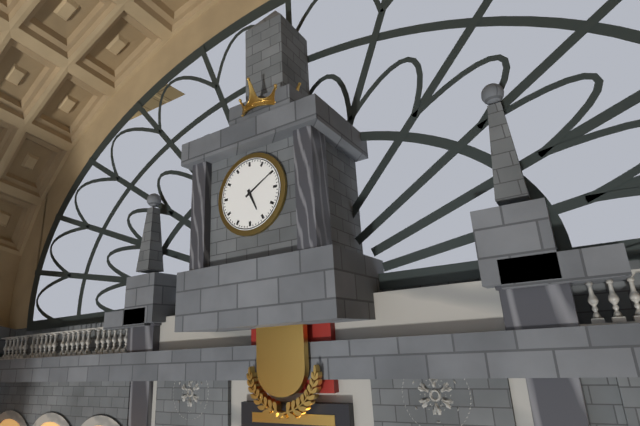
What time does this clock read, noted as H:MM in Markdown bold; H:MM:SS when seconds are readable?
**5:10**
